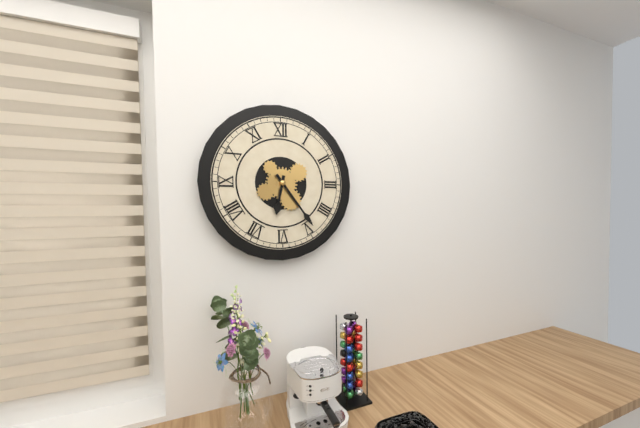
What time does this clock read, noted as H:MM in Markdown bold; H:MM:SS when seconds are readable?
**6:24**
